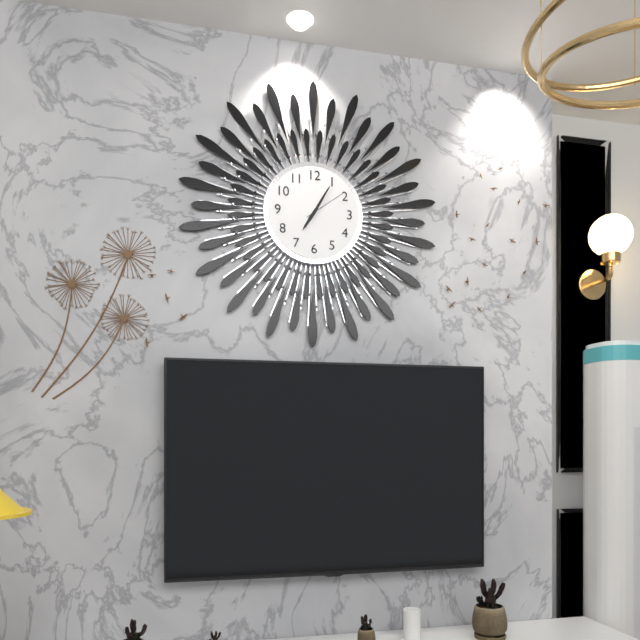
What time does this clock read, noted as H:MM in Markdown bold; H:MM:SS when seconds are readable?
**7:05**
